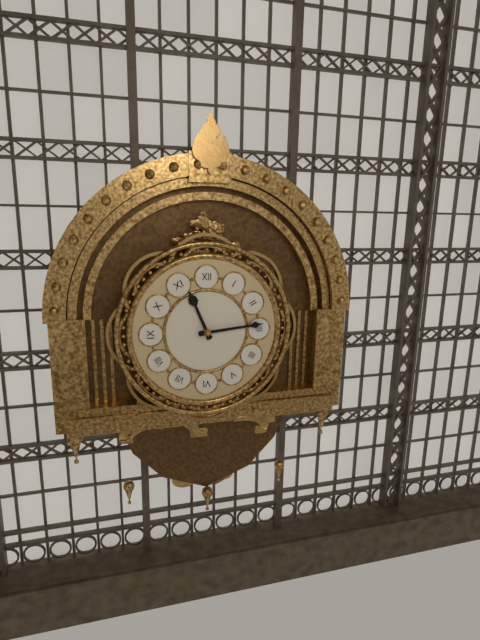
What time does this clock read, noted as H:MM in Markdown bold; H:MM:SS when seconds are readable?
**11:14**
